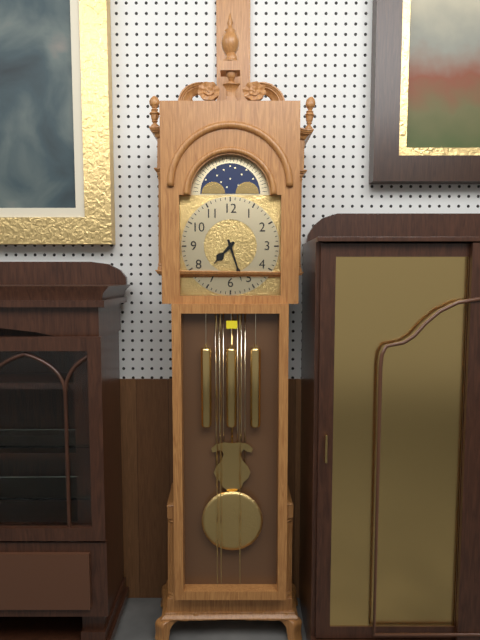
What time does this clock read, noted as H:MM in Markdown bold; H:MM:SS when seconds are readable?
**7:27**
